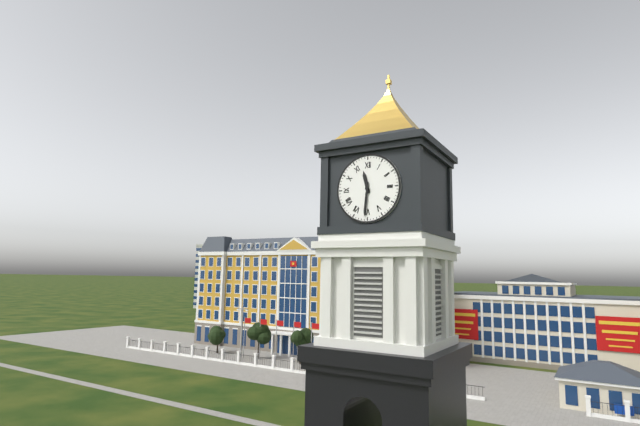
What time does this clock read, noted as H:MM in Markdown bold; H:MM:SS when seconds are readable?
**11:31**
